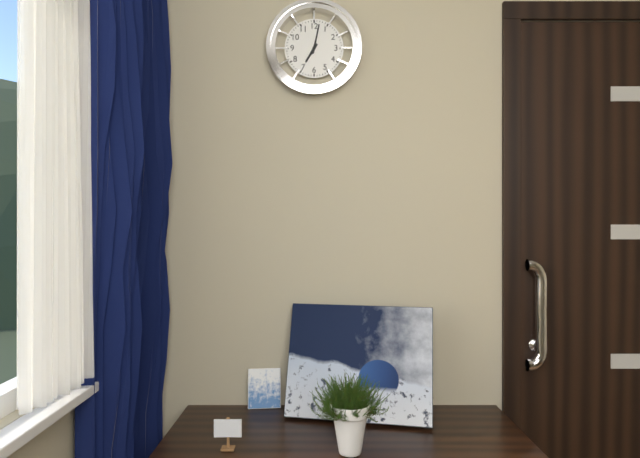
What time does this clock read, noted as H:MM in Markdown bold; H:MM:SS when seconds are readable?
**7:02**
